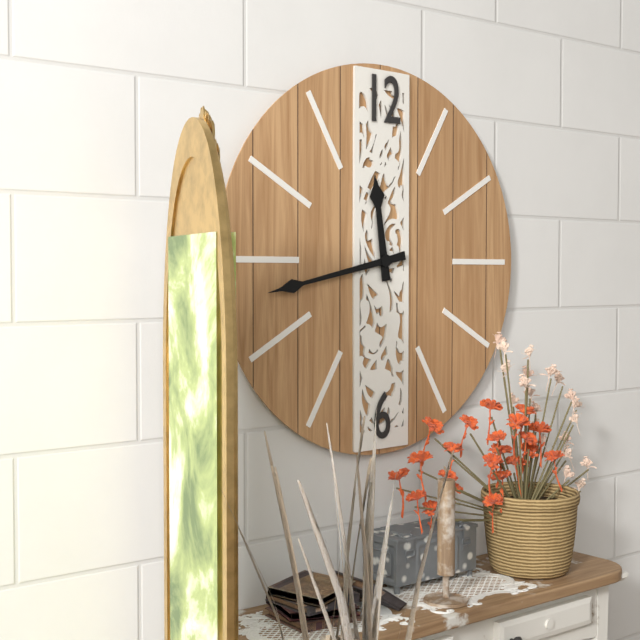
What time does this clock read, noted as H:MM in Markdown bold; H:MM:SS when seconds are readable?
**11:43**
